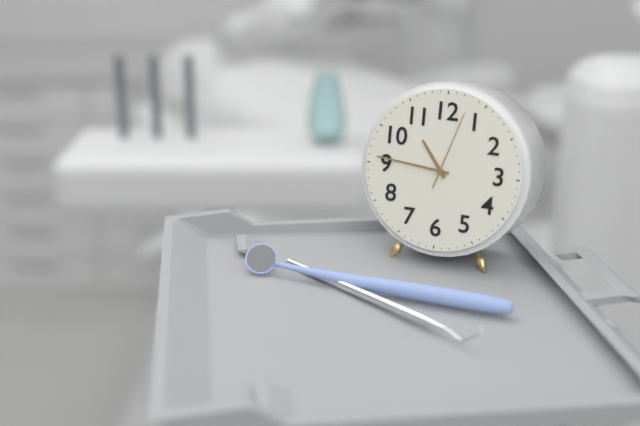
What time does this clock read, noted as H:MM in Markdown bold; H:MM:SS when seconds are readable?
**10:46:03**
